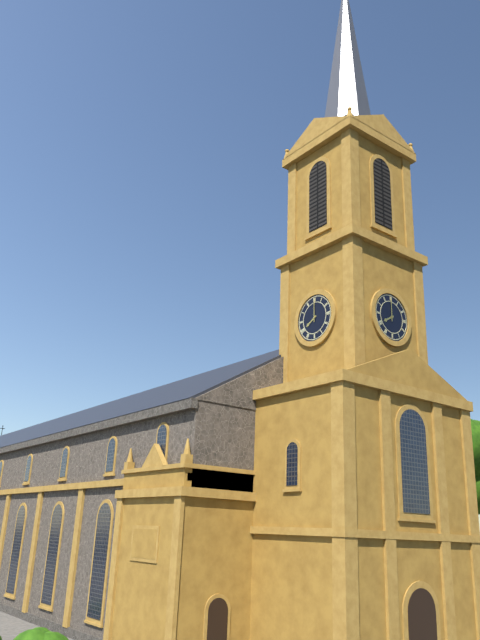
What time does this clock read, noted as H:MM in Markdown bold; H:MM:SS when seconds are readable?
**8:00**
